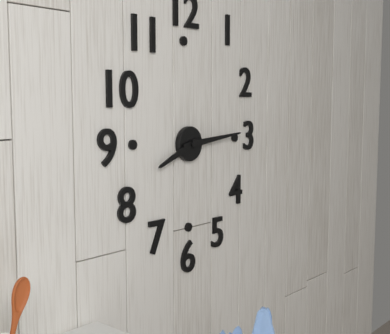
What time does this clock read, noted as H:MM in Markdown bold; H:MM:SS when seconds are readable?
**8:14**
